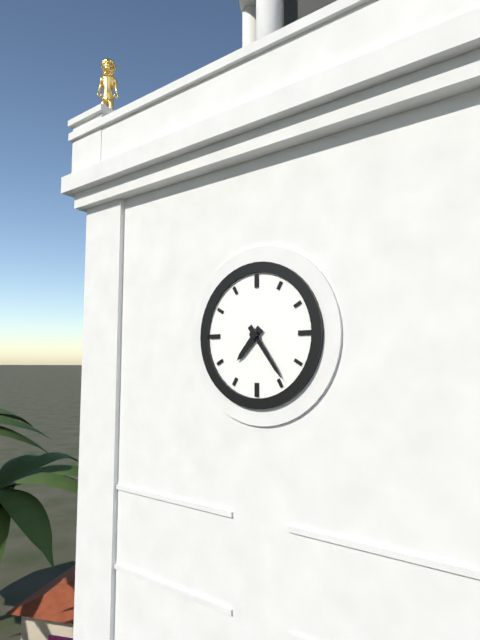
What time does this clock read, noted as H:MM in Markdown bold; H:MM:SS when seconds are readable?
**7:24**
